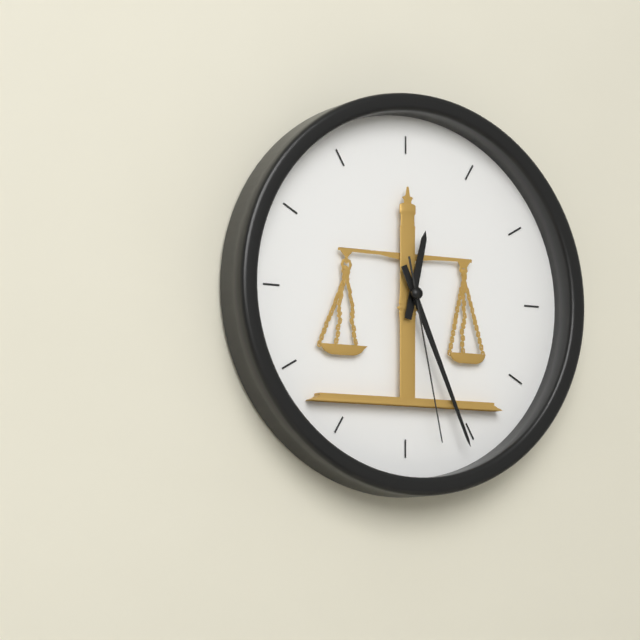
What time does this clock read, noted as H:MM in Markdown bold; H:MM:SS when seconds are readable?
**12:26:28**
